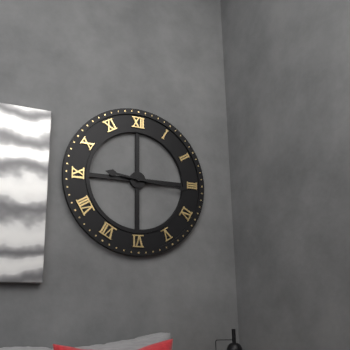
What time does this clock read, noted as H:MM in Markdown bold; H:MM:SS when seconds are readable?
**9:16**
